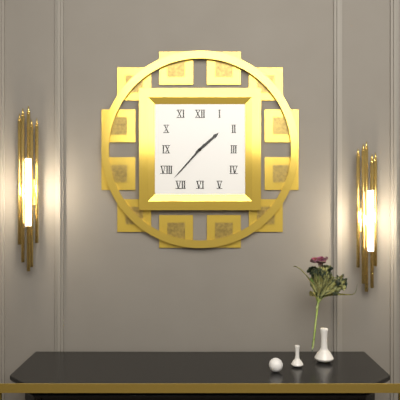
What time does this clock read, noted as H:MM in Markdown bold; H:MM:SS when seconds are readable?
**1:37**
